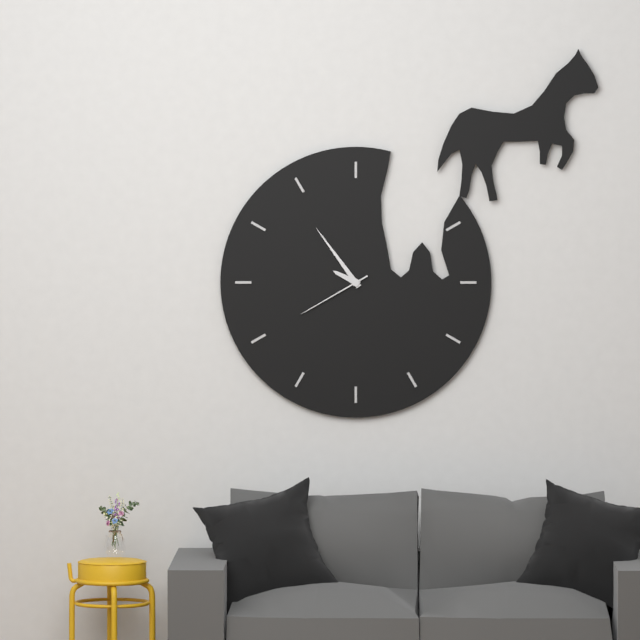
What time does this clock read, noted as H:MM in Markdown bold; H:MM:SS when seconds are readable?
**9:54:40**
